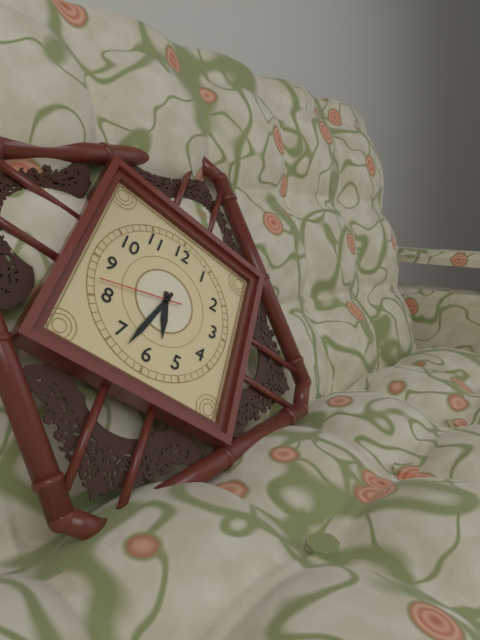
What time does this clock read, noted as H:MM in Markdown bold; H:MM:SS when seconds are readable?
**5:33:42**
